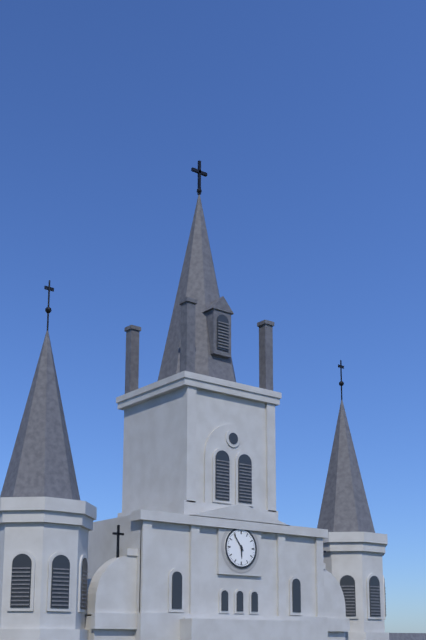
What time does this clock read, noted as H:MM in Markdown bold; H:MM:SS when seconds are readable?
**5:54**
